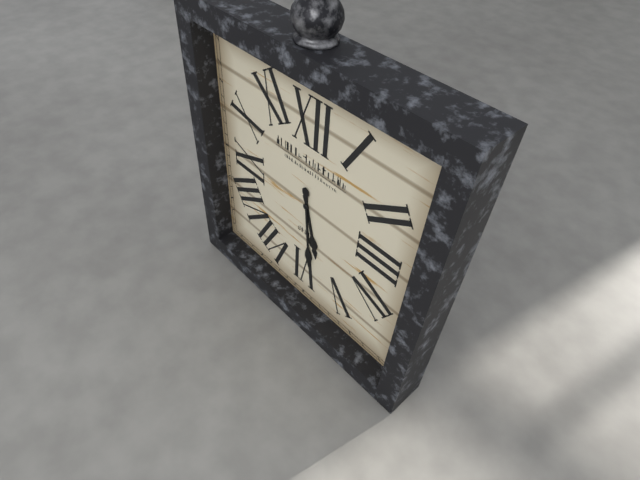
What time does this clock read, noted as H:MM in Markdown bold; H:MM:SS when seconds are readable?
**5:29**
